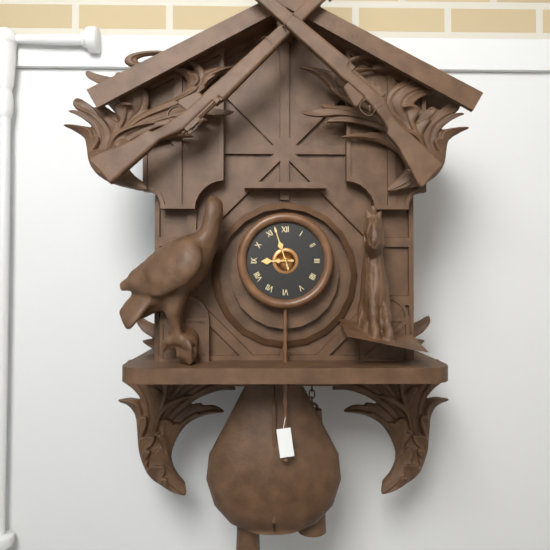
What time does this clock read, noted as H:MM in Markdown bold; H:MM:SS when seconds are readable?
**8:57**
